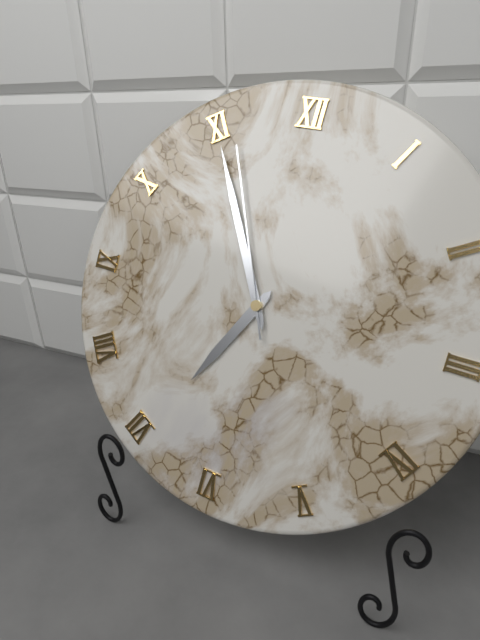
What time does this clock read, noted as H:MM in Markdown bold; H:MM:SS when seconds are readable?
**6:55:56**
